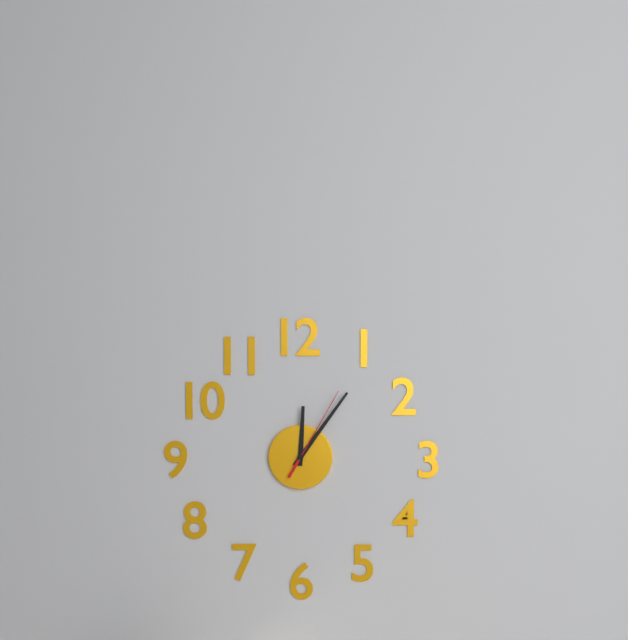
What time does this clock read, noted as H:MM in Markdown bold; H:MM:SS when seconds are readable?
**12:06:05**
